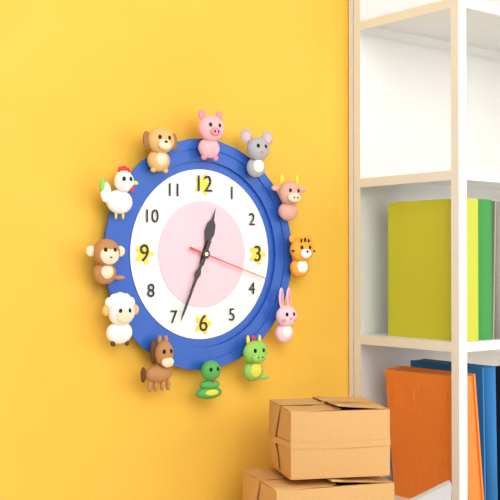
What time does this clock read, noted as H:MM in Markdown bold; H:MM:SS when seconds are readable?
**12:34:18**
